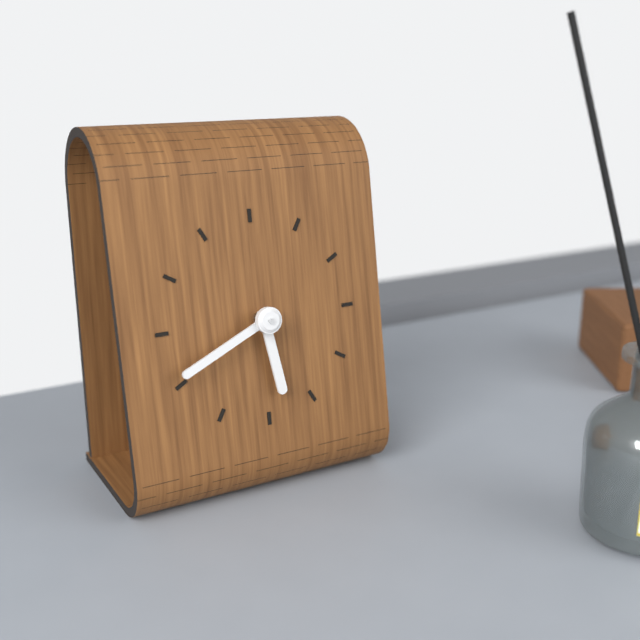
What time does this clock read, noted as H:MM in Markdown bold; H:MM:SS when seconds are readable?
**5:41**
